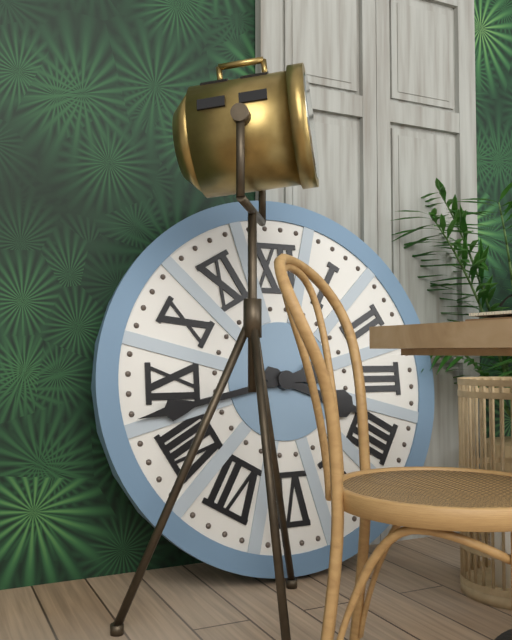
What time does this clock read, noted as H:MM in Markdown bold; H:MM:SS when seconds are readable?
**3:43**
